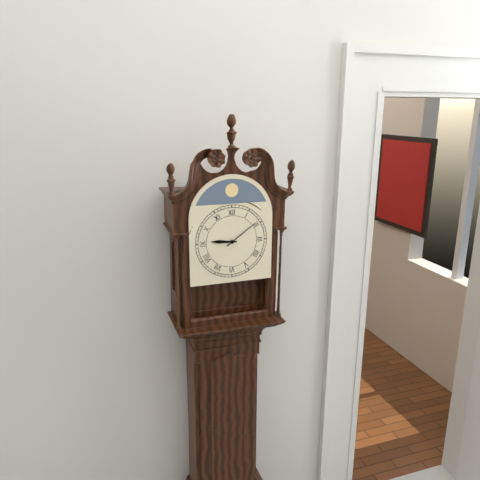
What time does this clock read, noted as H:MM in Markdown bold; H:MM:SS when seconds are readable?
**9:09**
